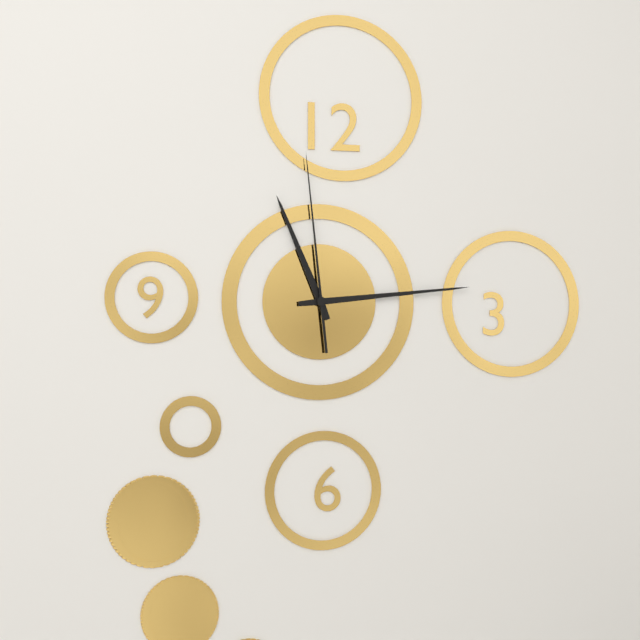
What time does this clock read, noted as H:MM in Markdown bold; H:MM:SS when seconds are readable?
**11:14:59**
